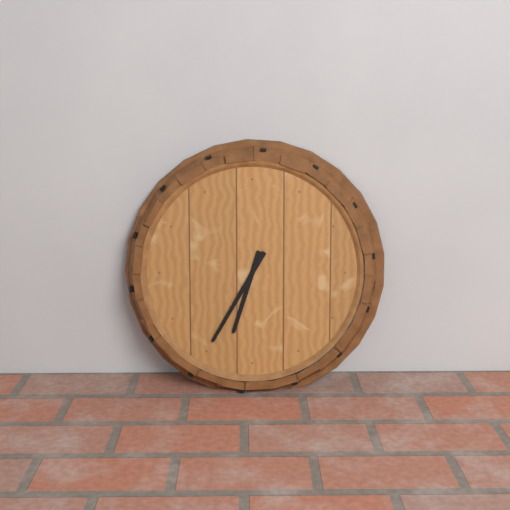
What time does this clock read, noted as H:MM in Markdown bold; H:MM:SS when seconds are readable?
**6:35**
